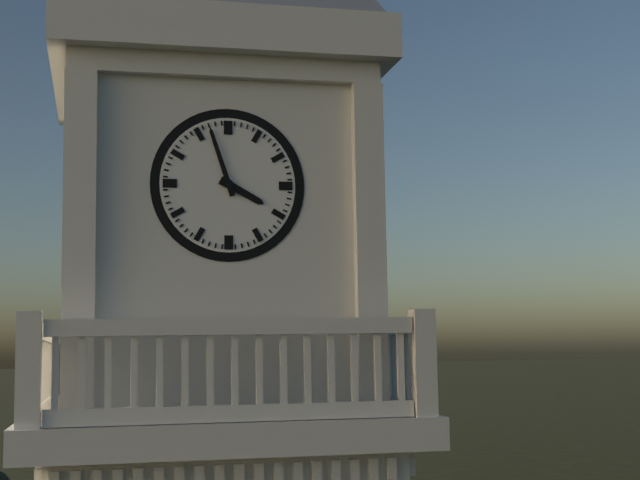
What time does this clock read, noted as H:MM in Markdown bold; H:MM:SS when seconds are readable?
**3:57**
